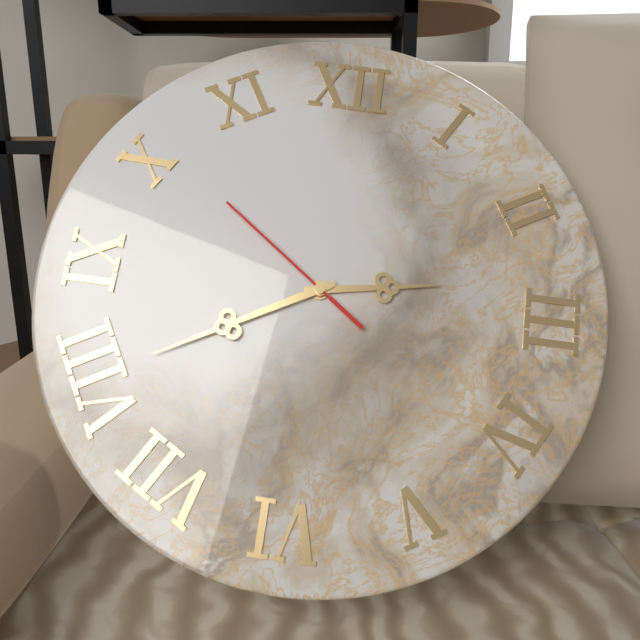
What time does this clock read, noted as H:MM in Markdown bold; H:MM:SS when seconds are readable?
**2:40:51**
